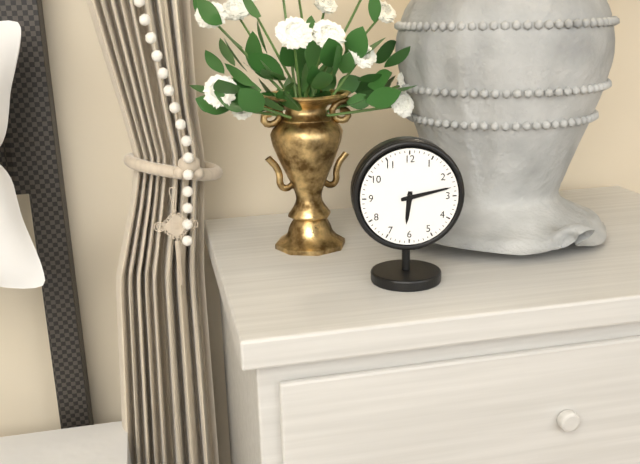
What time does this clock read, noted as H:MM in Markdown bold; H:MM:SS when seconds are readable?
**6:13**
